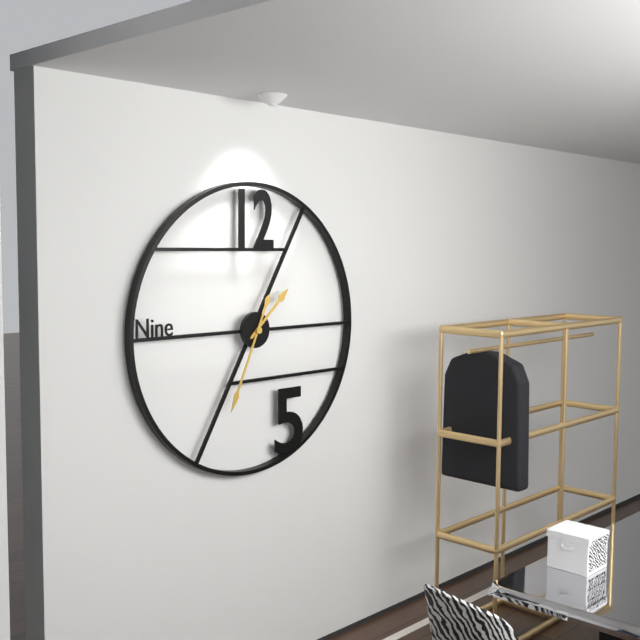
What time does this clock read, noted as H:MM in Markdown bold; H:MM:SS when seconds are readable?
**1:34**
